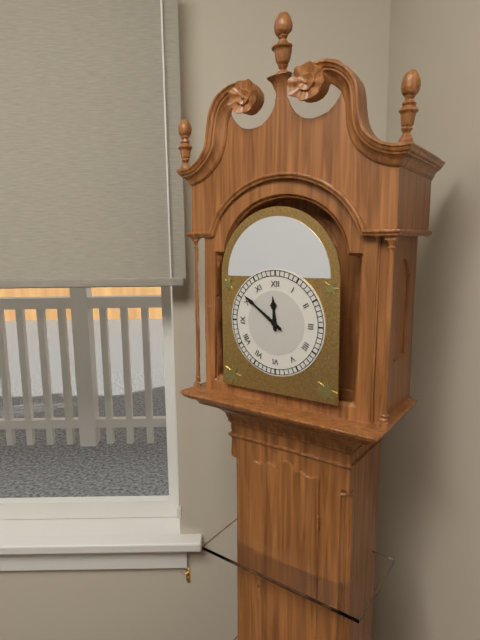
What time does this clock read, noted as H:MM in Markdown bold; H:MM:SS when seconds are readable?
**11:51**
